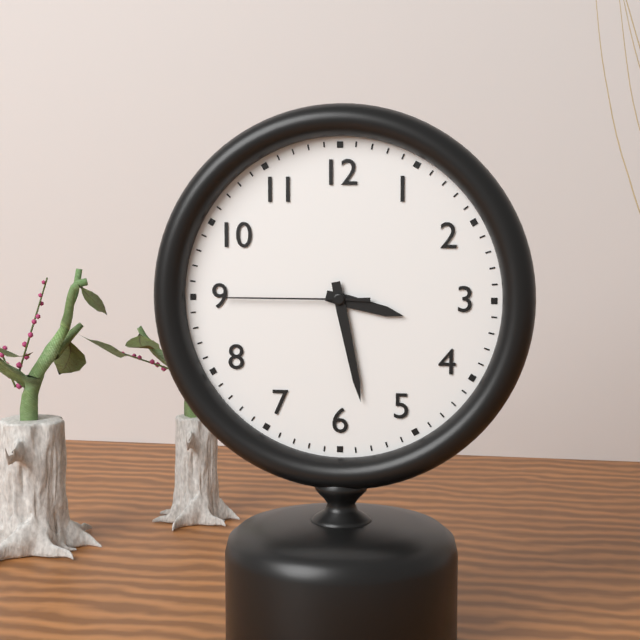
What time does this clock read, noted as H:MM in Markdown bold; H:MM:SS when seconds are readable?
**3:28:45**
